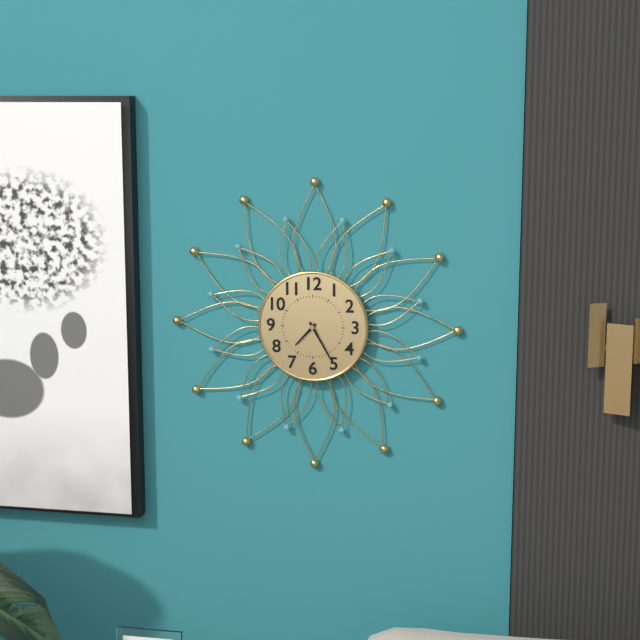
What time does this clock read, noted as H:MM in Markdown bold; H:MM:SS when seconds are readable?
**7:25**
